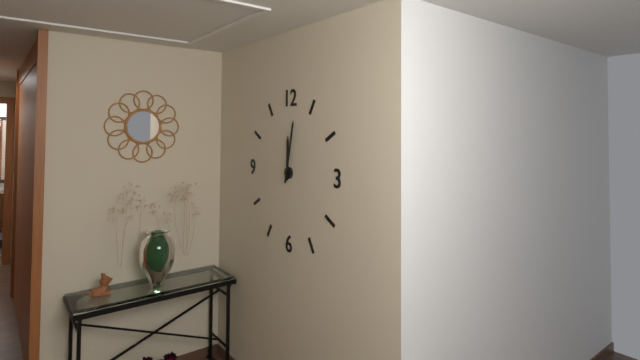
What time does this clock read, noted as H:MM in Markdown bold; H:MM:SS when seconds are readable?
**12:02**
